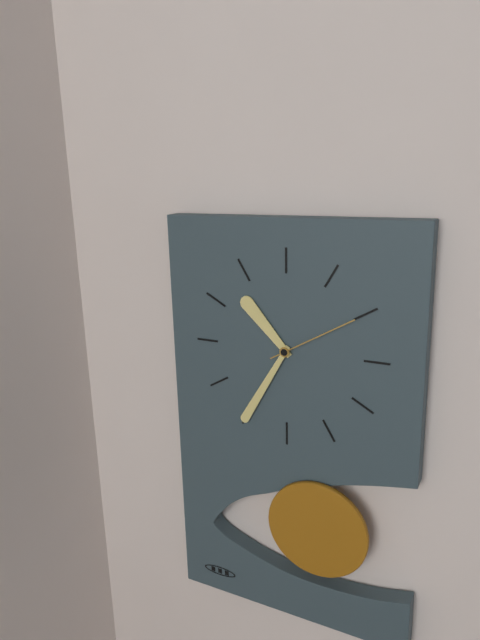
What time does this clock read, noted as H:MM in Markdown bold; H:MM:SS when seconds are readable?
**10:35:10**
